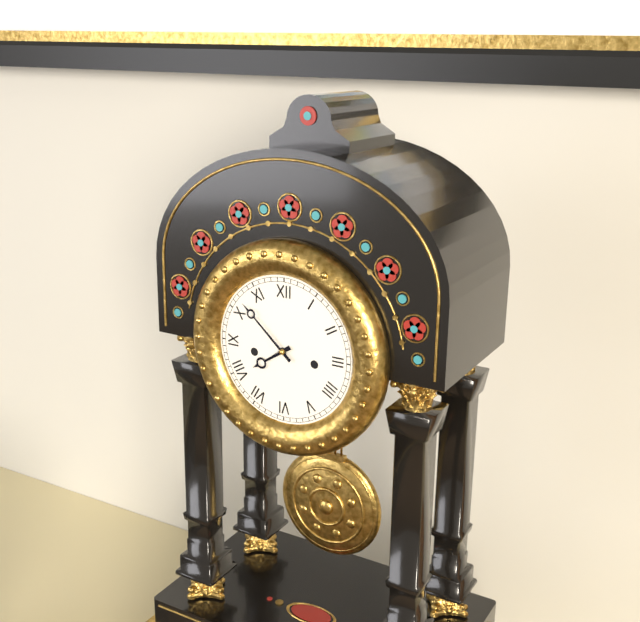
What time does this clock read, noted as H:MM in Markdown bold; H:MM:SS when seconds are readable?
**7:52**
